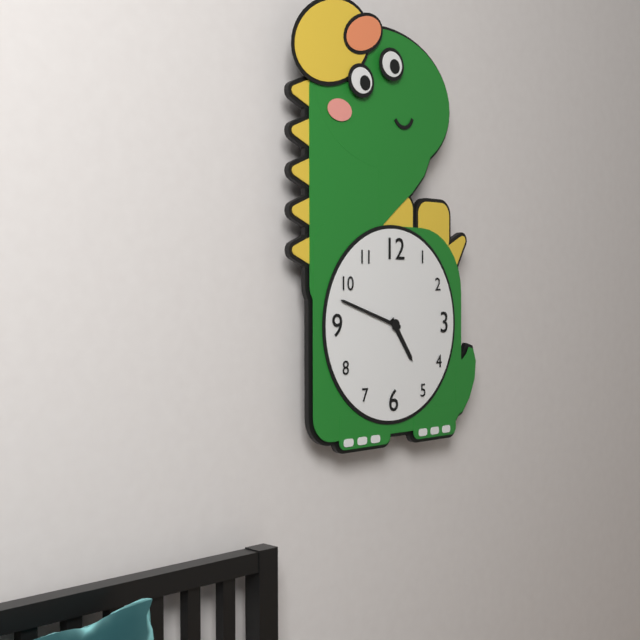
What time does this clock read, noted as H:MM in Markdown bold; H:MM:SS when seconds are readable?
**4:48**
